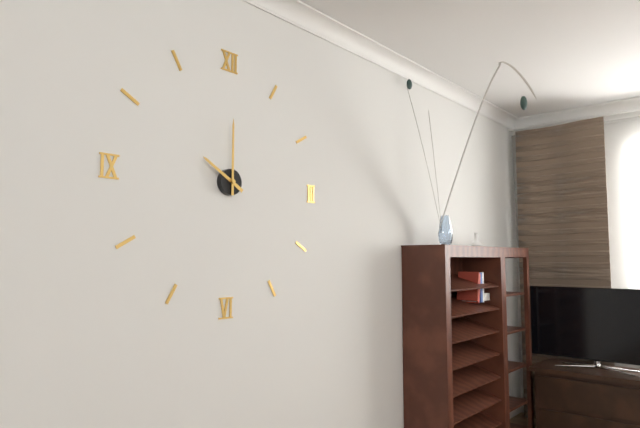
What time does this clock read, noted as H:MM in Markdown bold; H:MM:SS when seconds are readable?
**10:00**
